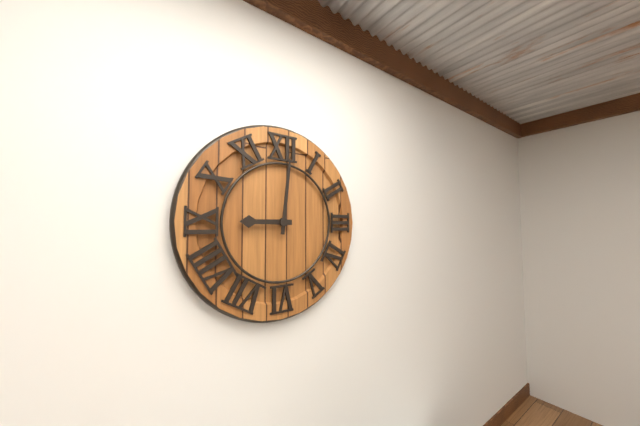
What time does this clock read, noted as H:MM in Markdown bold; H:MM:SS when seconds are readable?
**9:01**
